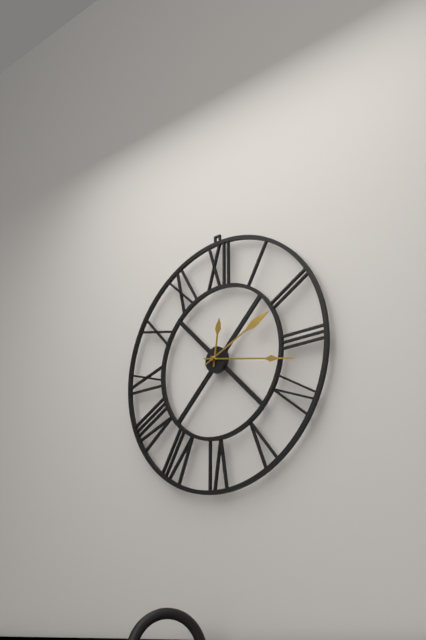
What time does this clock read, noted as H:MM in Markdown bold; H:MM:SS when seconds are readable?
**12:17:11**
